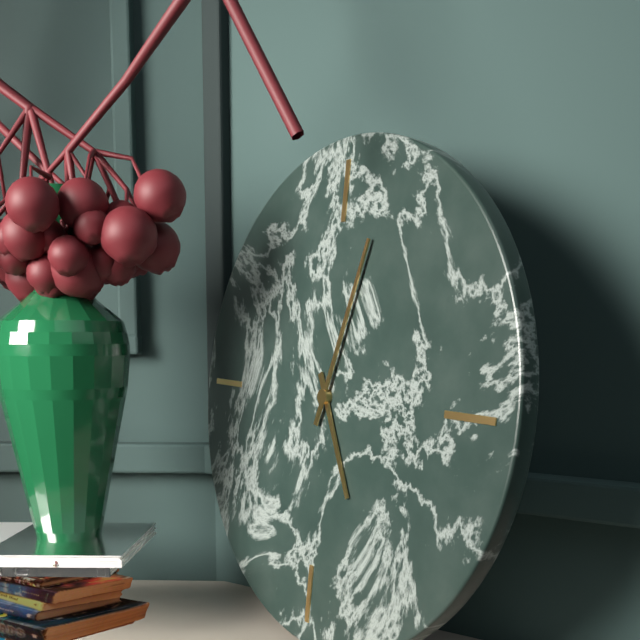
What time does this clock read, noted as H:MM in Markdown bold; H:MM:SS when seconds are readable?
**5:03**
